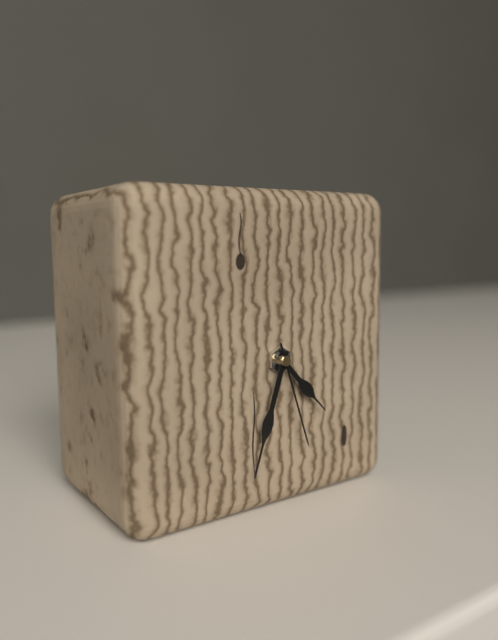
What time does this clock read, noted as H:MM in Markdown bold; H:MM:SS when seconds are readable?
**4:33:27**
